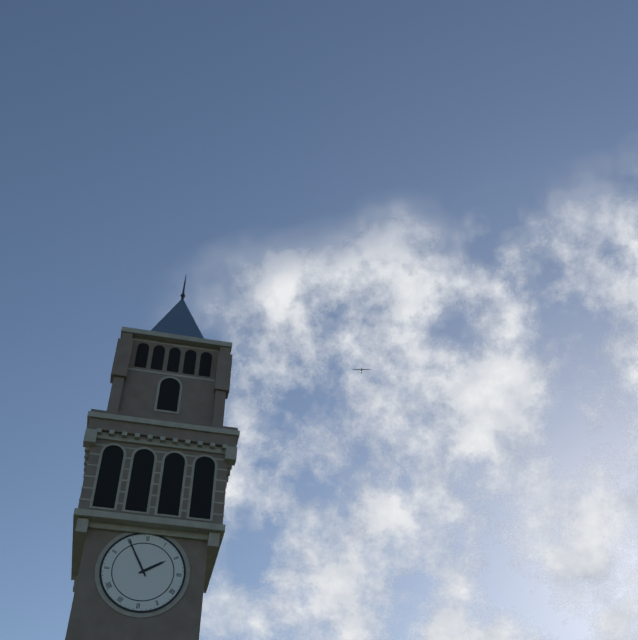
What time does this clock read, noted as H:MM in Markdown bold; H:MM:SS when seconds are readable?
**1:55**
